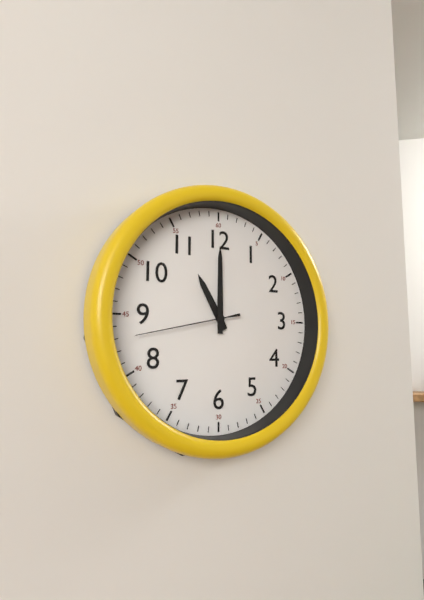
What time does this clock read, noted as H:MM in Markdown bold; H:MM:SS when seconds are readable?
**11:00:43**
